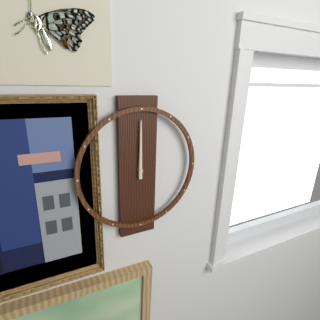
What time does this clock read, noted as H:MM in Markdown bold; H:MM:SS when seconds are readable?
**12:00**
